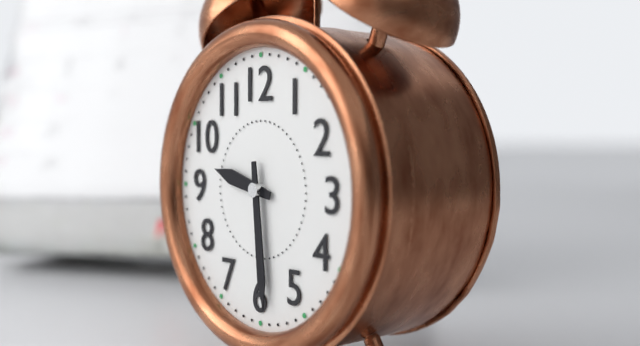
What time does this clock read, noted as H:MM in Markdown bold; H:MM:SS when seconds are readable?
**9:29**
